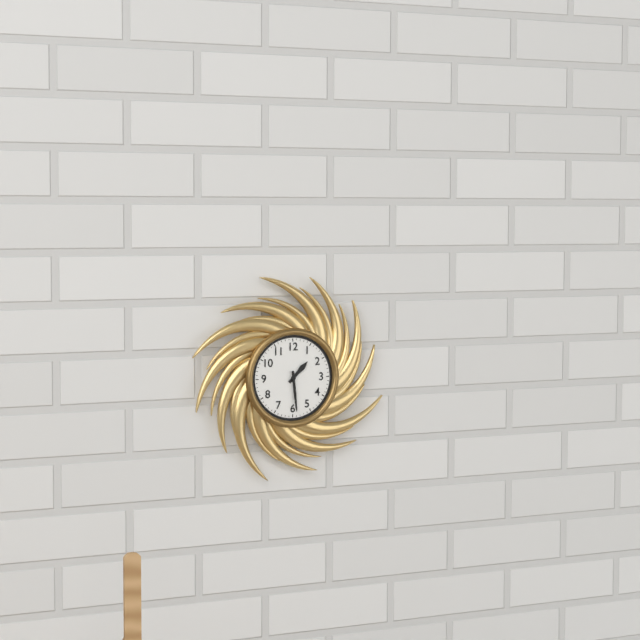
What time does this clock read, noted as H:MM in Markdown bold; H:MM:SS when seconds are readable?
**1:29**
